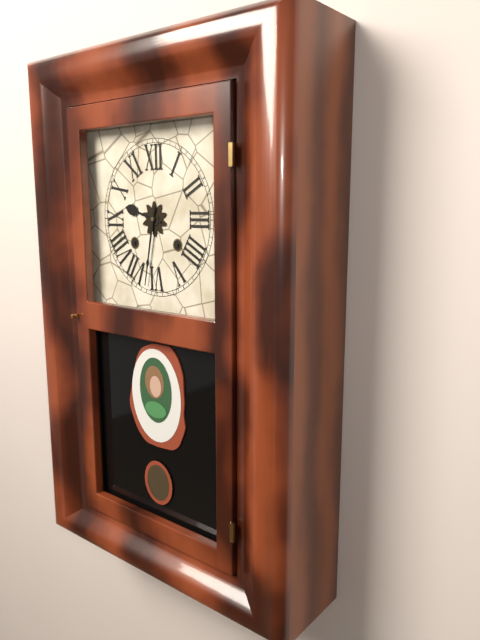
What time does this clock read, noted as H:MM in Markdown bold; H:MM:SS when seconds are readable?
**9:32**
